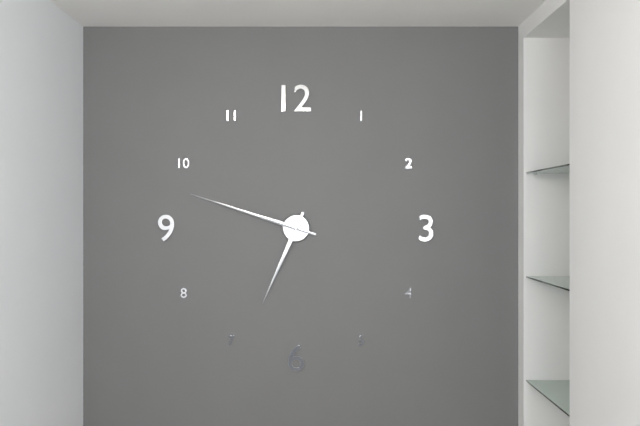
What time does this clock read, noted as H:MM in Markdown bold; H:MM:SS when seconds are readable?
**6:48**
